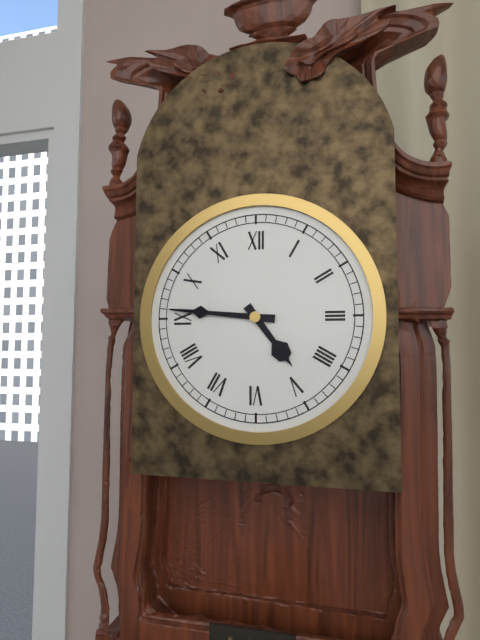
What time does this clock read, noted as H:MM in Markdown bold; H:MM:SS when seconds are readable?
**4:46**
